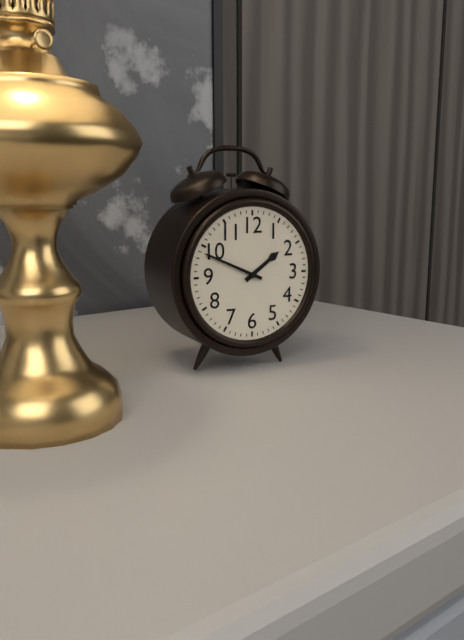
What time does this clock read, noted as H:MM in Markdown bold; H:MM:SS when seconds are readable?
**1:49**
